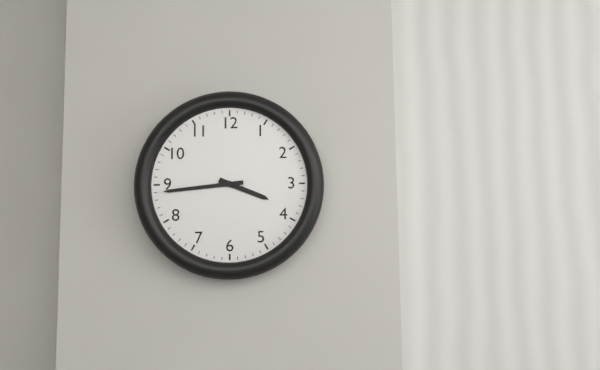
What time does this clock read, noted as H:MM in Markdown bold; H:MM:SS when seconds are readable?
**3:44**
